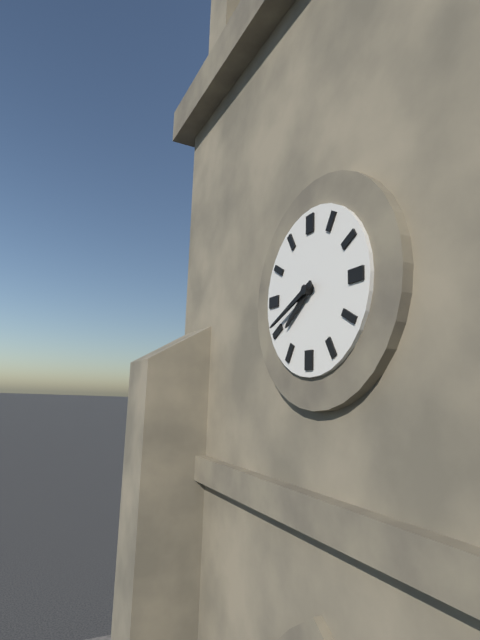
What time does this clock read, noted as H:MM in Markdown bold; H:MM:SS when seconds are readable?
**7:41**
